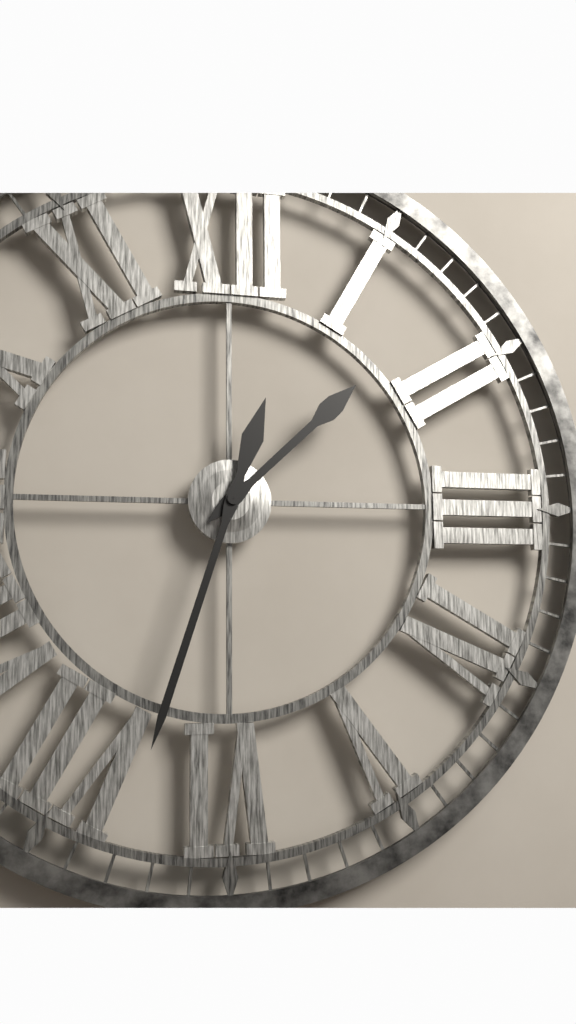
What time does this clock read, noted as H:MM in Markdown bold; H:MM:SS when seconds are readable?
**1:33**
